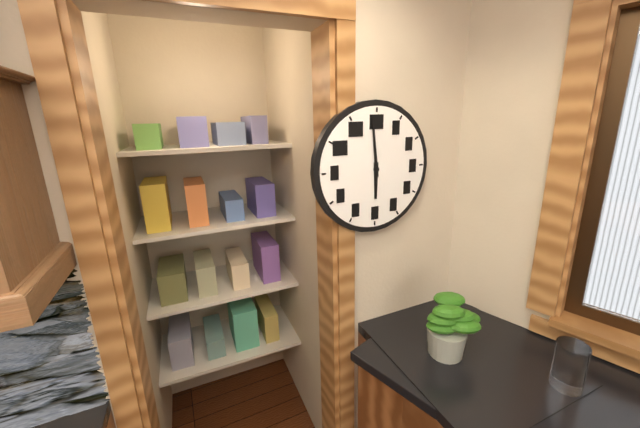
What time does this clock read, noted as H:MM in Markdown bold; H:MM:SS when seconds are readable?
**5:59**
